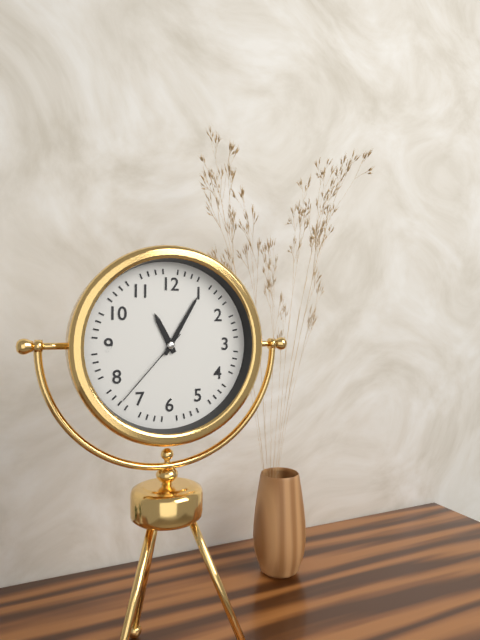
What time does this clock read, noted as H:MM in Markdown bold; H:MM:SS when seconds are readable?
**11:05:37**
